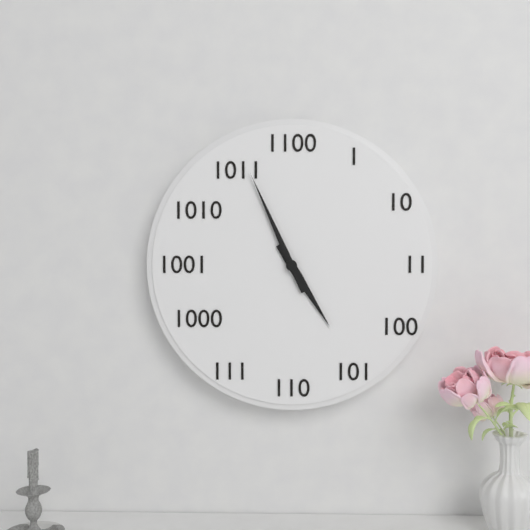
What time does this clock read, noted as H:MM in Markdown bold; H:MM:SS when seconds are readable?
**4:56**
